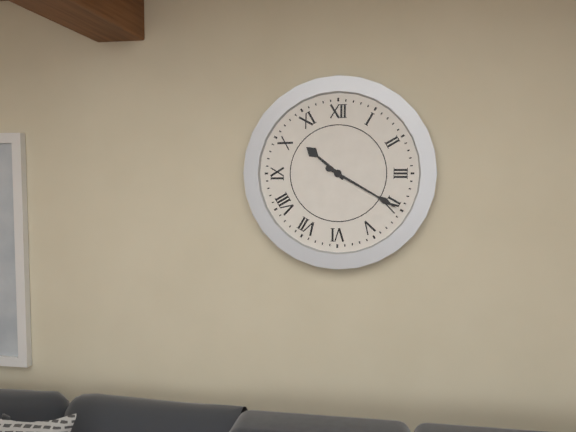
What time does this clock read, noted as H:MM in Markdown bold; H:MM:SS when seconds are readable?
**10:20**
